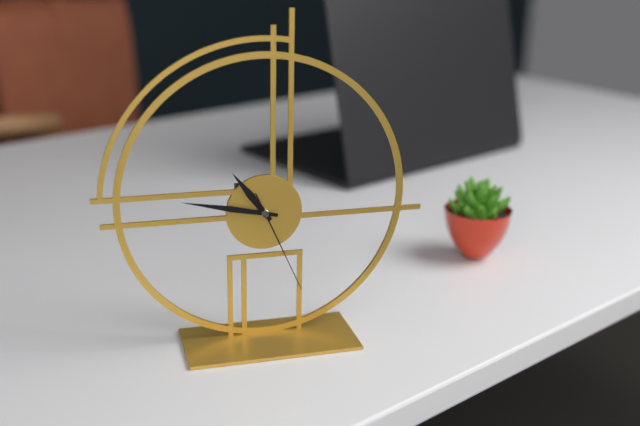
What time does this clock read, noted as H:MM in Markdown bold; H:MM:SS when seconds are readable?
**10:47:26**
